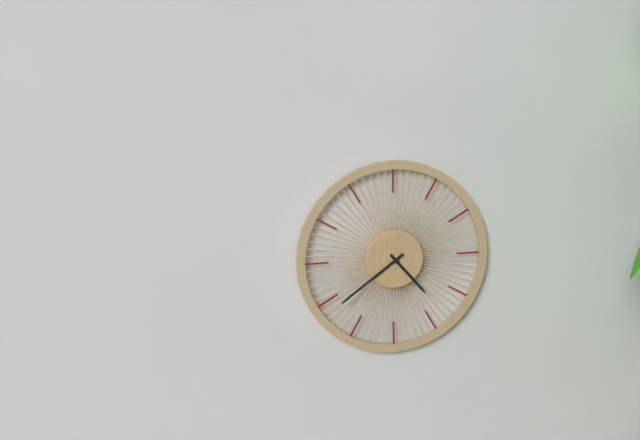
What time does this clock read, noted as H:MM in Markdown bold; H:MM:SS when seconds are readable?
**4:39**
